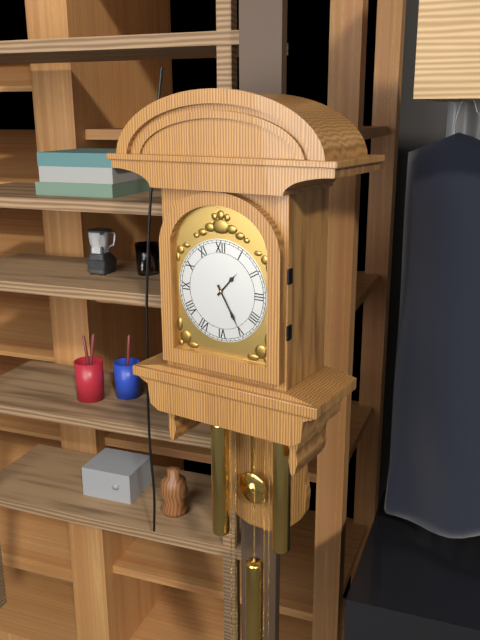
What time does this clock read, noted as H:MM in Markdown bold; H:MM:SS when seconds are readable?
**1:25**
